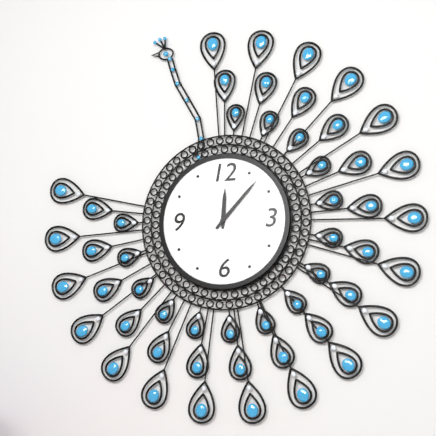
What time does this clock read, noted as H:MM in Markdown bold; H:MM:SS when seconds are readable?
**12:07**
